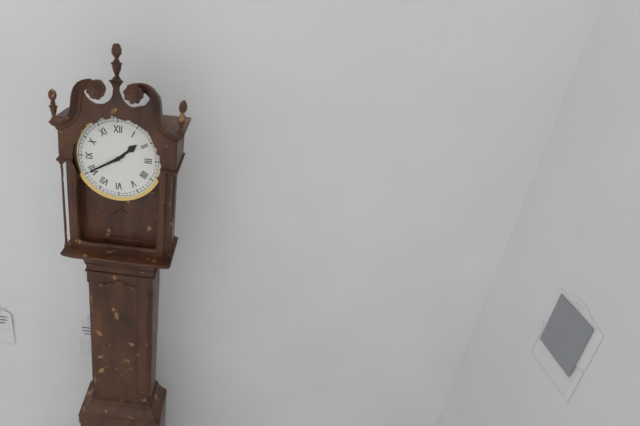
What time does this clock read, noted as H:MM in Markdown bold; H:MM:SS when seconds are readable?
**1:40**
